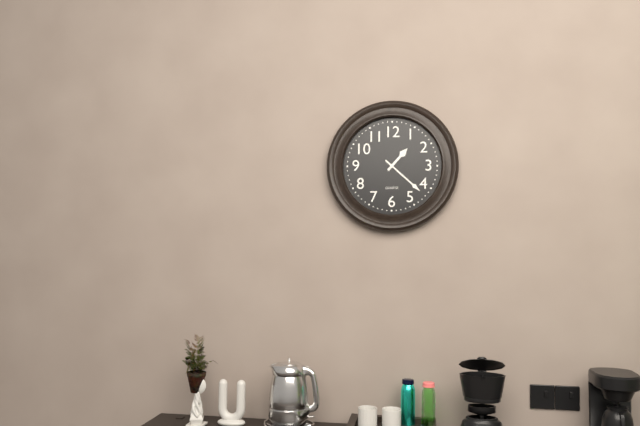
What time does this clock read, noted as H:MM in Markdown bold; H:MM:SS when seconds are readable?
**1:22**
